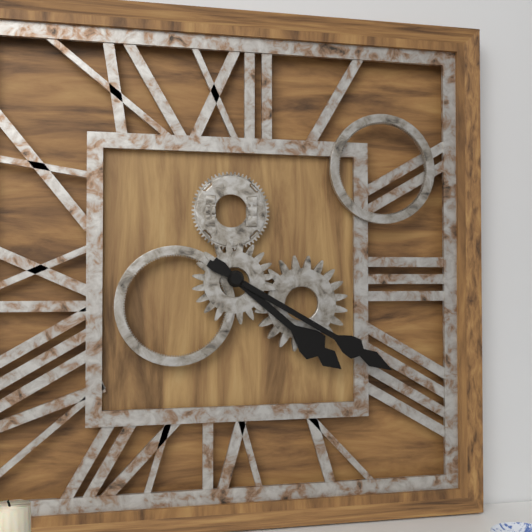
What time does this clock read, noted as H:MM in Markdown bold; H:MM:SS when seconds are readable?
**4:20**
